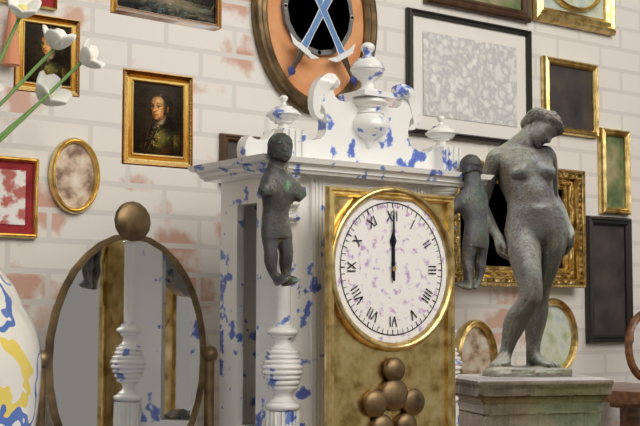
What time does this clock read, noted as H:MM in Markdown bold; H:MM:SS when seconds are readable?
**12:00**
